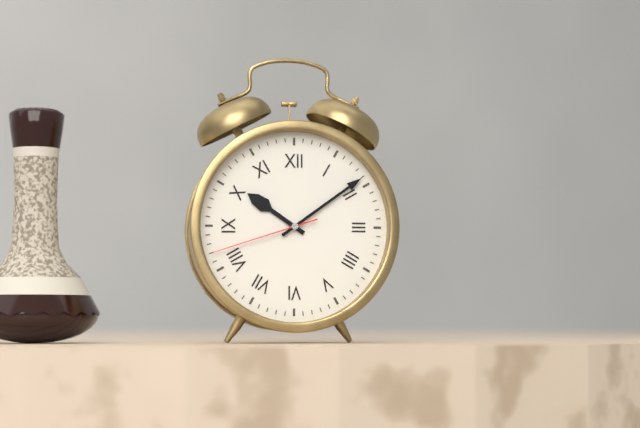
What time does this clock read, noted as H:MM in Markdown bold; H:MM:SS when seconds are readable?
**10:09:42**
